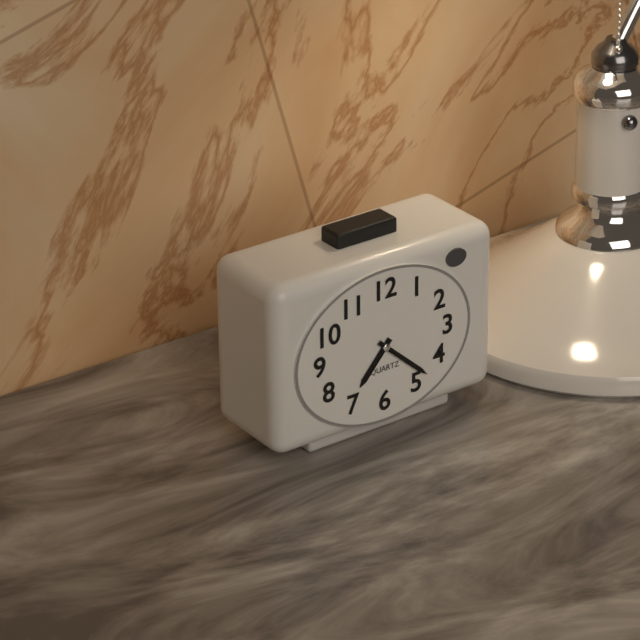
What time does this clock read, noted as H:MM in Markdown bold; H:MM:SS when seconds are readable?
**7:22**
